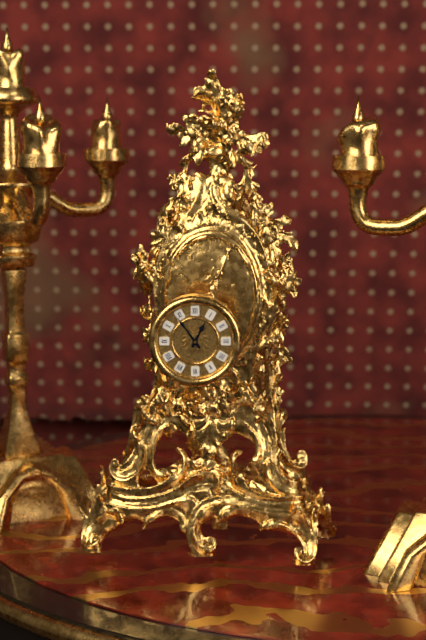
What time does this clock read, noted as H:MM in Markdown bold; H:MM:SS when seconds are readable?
**12:54**
